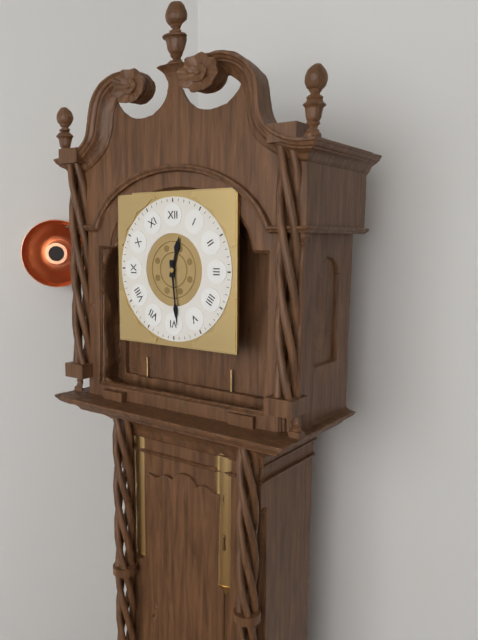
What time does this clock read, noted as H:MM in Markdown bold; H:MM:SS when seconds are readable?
**12:29**
